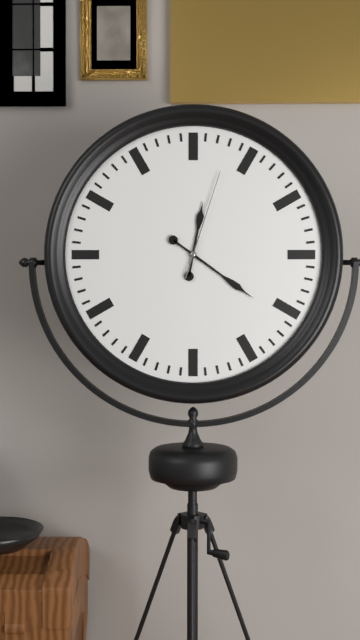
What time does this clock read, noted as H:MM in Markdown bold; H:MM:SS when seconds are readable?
**12:21:03**
